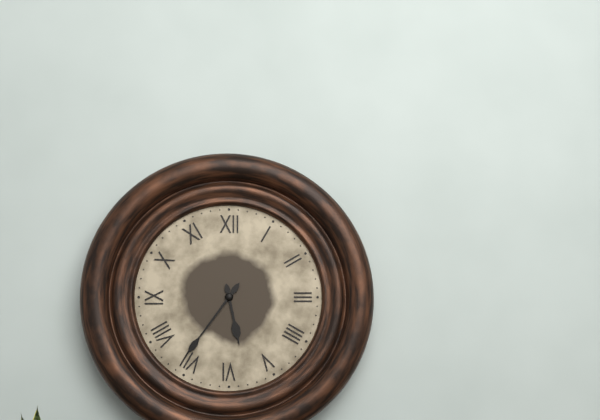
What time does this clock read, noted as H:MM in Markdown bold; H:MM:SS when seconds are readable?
**5:36**
